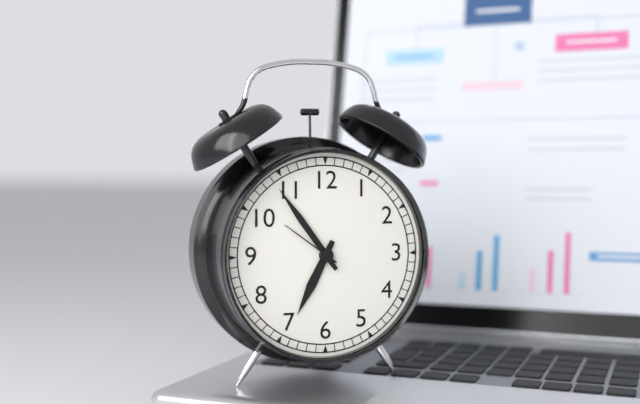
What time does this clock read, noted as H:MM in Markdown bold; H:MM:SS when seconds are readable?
**6:54:51**
